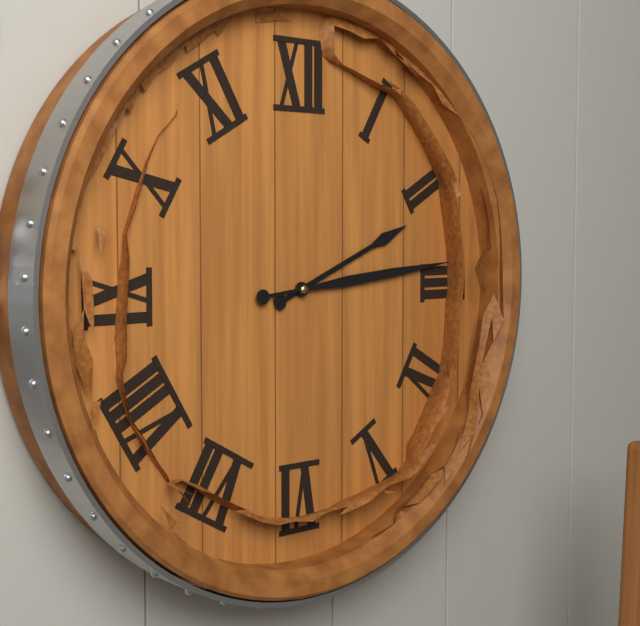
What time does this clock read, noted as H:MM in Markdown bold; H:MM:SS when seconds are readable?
**2:14**
